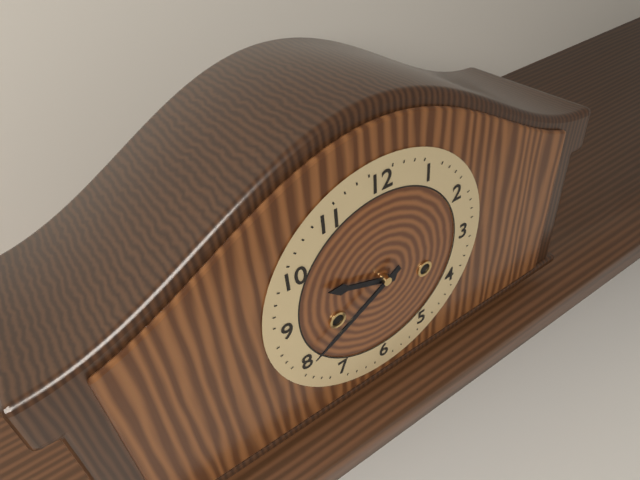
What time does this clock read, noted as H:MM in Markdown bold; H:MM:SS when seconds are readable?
**9:40**
